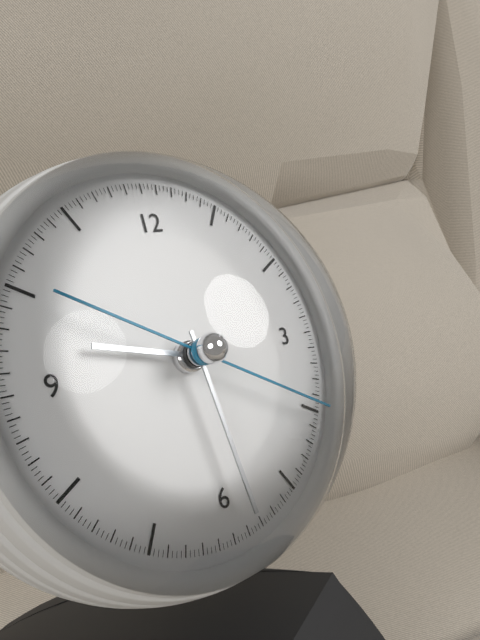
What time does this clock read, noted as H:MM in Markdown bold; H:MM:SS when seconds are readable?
**9:29:20**
